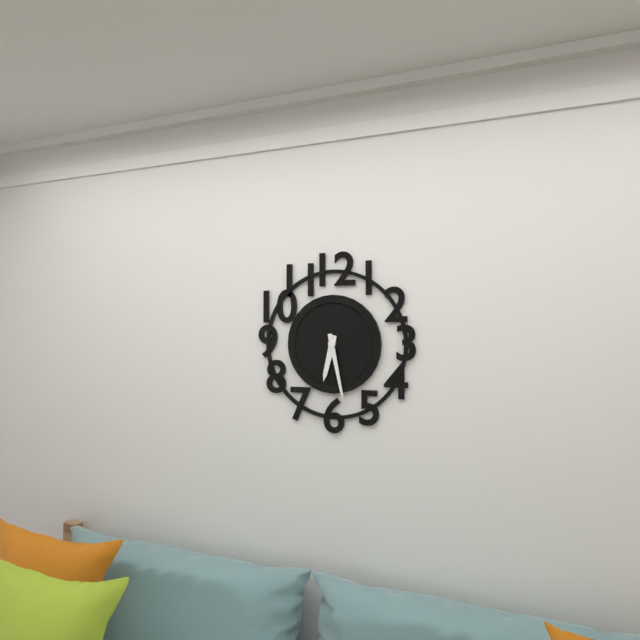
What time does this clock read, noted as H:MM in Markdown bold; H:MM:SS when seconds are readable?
**6:28**
